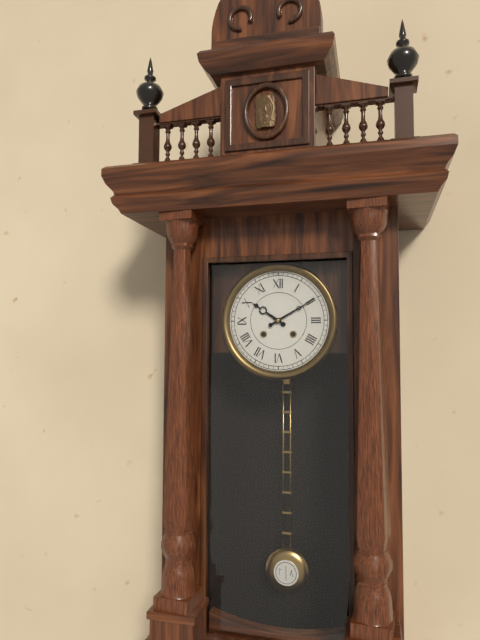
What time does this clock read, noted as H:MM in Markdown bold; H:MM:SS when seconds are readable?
**10:10**
